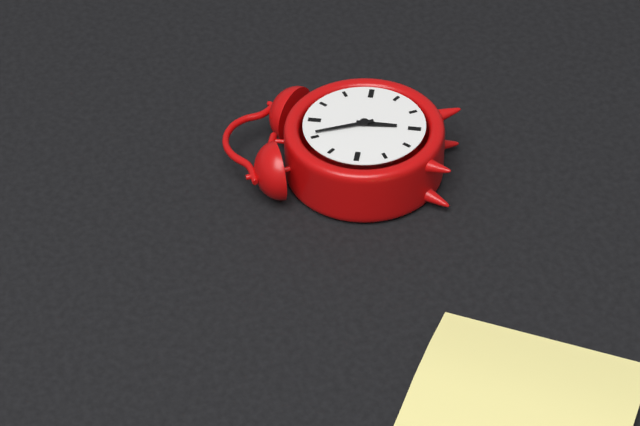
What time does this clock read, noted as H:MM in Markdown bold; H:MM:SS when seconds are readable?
**5:56**
